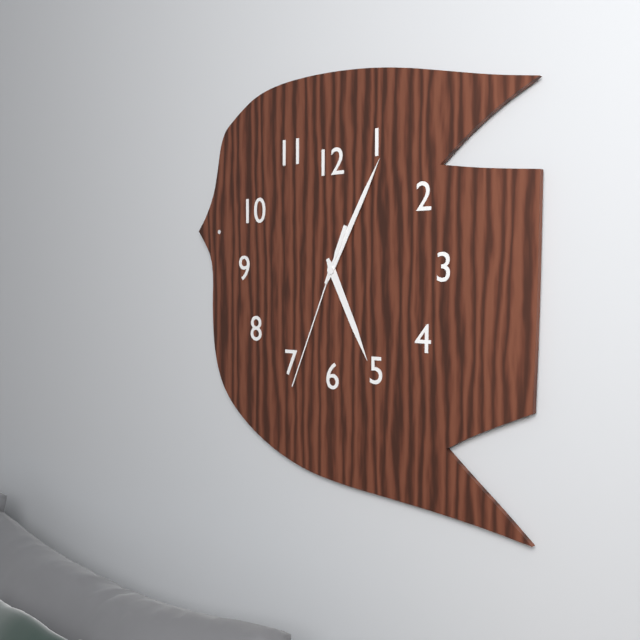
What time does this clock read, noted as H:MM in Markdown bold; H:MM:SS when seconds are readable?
**5:05:34**
